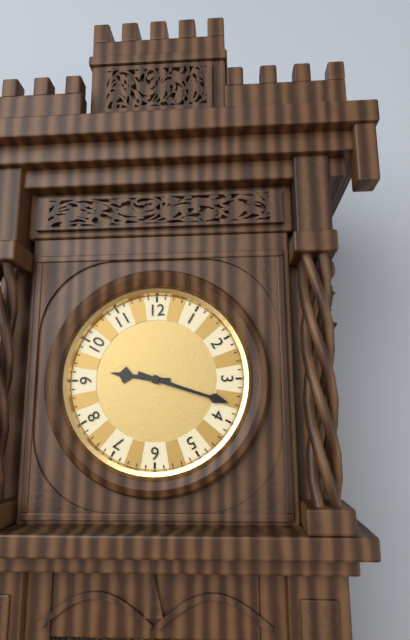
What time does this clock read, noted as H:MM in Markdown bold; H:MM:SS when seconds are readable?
**9:18**
